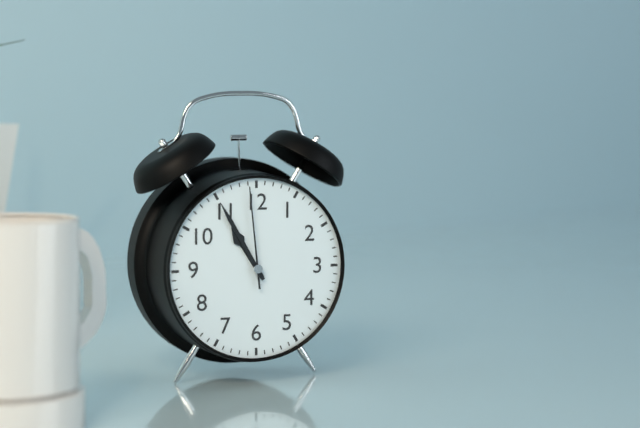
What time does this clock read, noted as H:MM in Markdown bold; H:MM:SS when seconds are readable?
**10:55:59**
